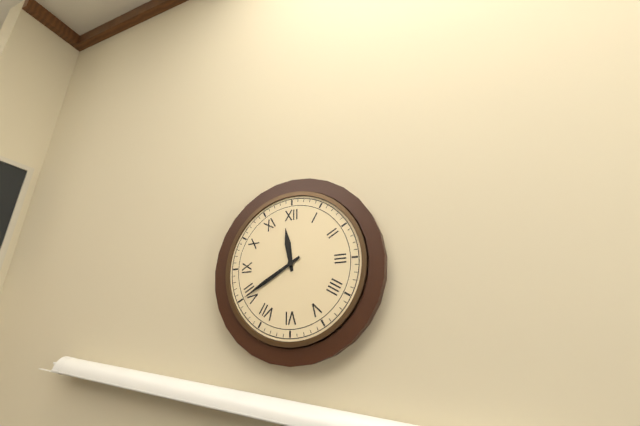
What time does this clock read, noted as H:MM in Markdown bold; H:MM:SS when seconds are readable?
**11:40**
